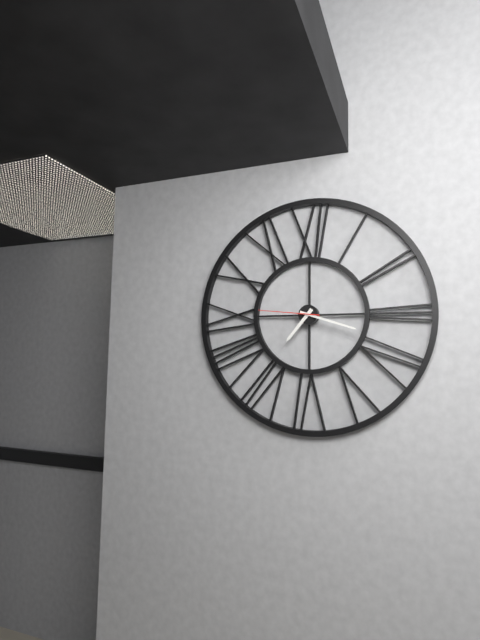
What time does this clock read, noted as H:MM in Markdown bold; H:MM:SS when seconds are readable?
**7:18:46**
